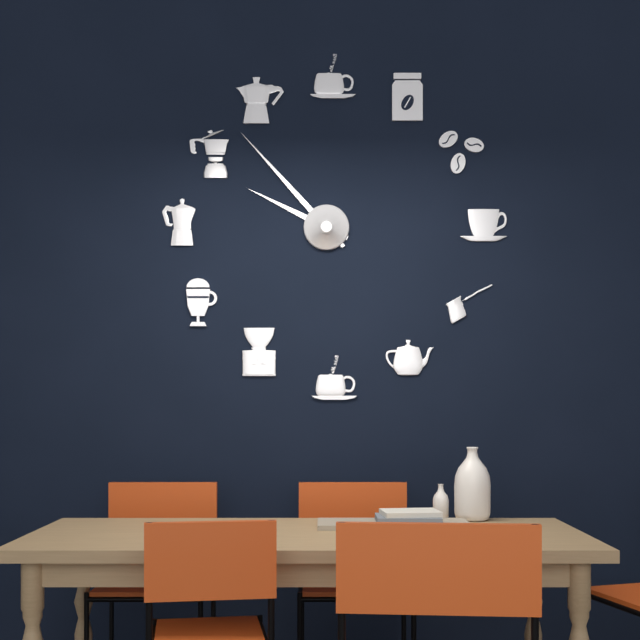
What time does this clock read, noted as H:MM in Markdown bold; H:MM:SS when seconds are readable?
**9:53**
